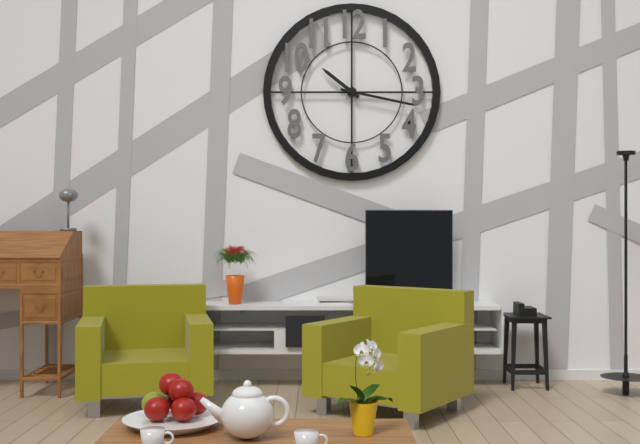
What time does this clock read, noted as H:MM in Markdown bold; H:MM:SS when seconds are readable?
**10:17**
